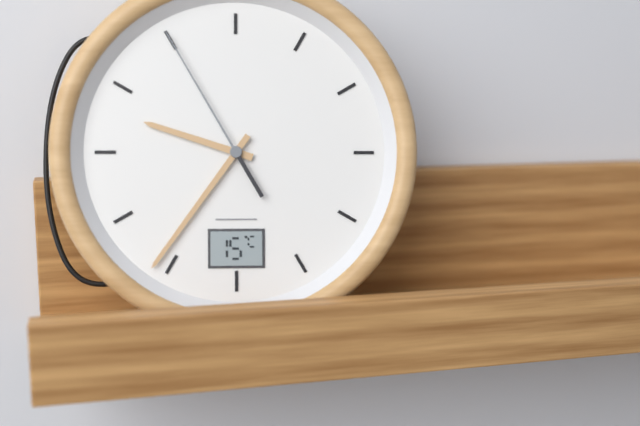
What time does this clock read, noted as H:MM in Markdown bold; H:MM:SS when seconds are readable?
**9:36:55**
